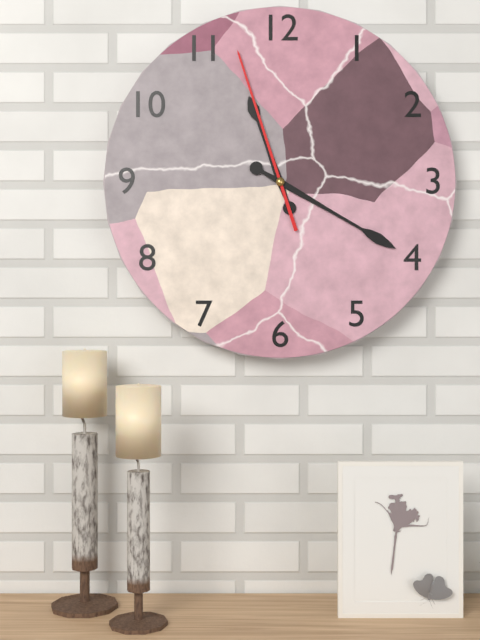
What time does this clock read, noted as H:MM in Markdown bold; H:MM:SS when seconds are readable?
**11:20:57**
